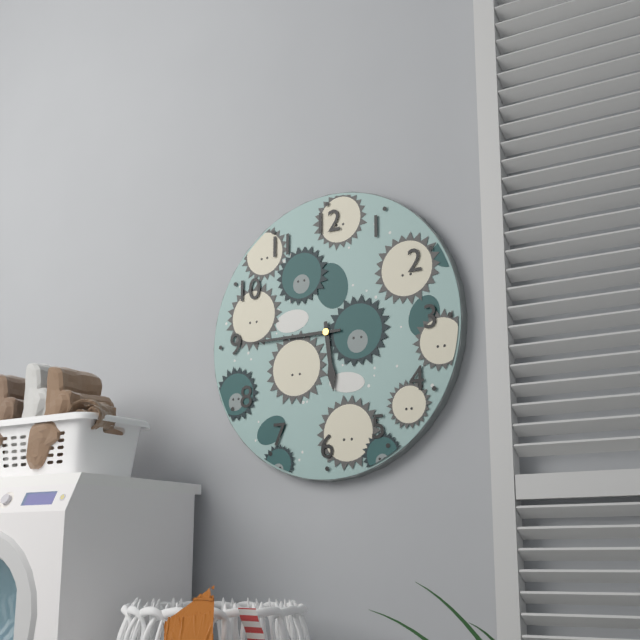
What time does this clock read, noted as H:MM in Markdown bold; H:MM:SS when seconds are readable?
**5:45**
